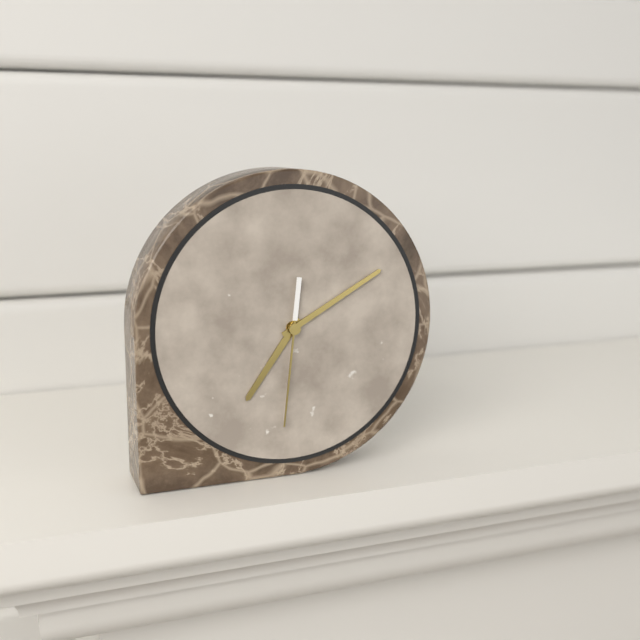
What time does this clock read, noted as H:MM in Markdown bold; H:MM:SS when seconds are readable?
**7:10:31**
